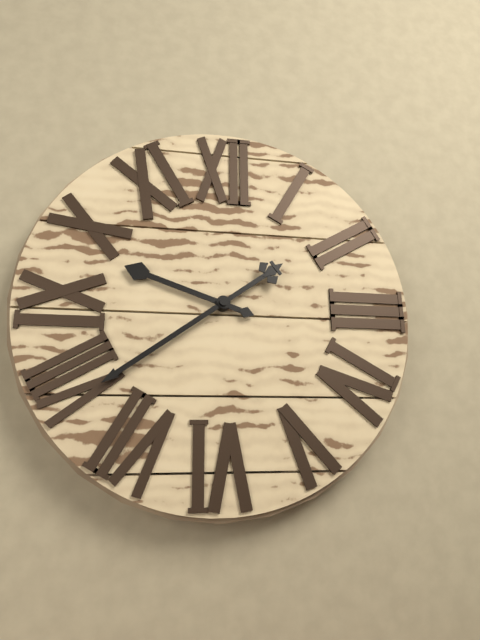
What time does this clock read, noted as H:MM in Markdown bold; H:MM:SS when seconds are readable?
**9:39**
